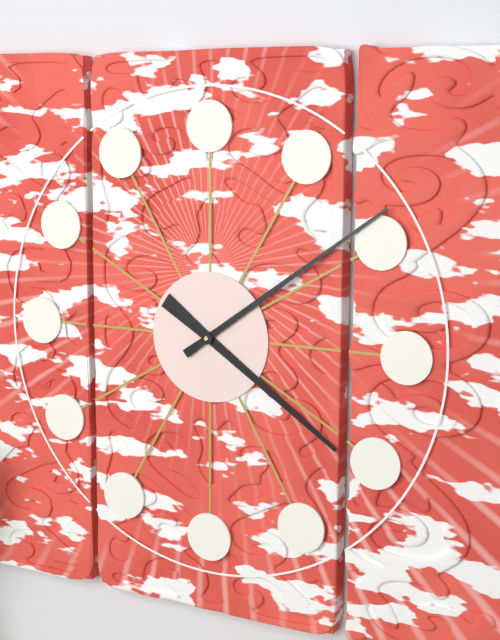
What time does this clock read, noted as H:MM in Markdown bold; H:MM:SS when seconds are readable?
**4:09**
